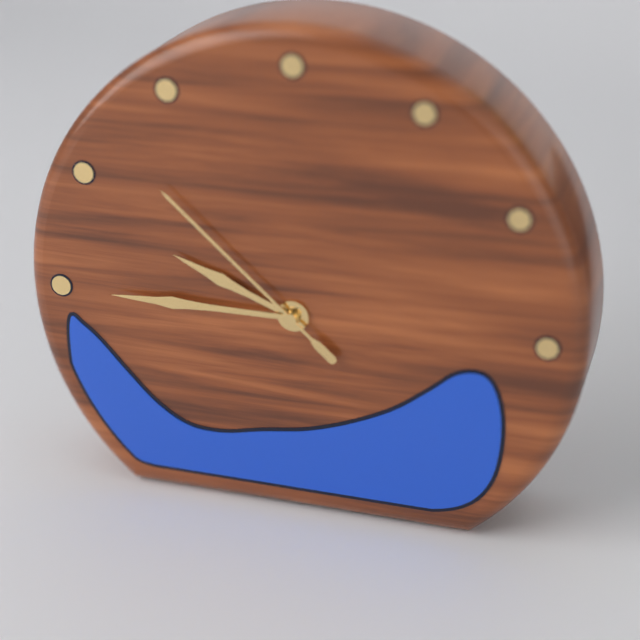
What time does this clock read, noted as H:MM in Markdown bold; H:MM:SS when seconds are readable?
**9:45:52**
